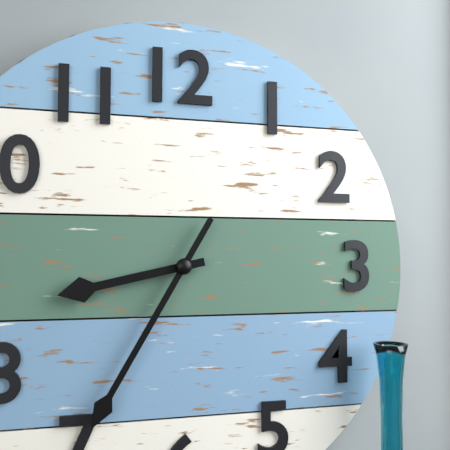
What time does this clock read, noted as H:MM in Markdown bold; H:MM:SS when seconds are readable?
**8:35**
